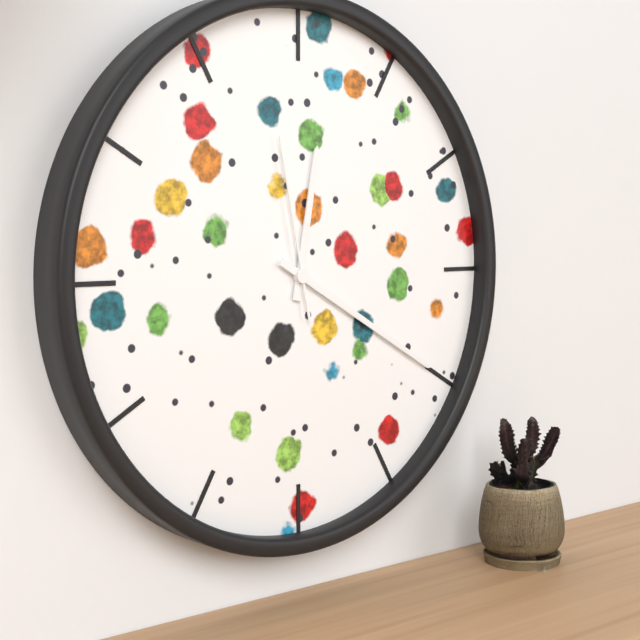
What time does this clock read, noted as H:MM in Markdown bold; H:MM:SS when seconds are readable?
**12:20:58**
